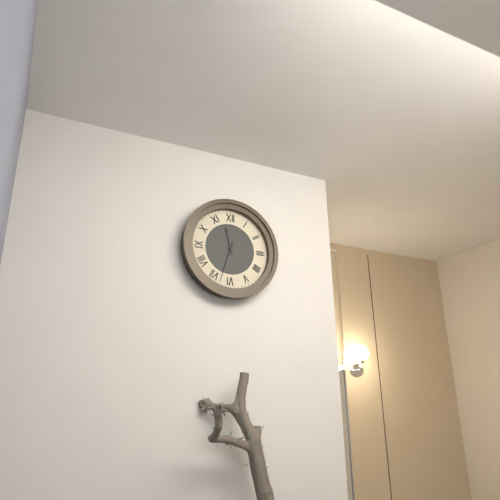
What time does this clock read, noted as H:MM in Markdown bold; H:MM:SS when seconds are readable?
**11:33**
